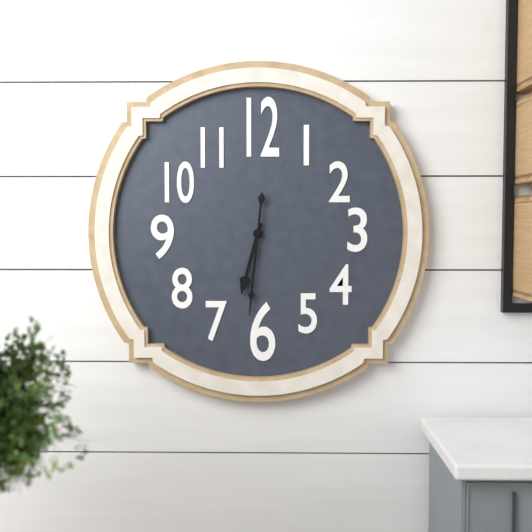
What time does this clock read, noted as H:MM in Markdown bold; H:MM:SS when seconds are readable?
**6:31**
